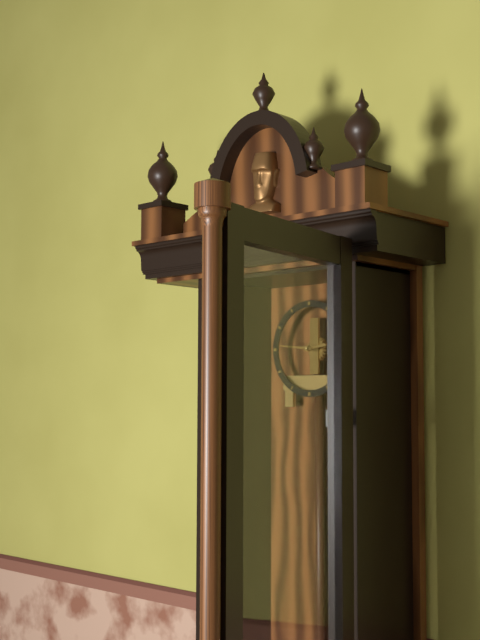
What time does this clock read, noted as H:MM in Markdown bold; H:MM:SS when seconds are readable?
**2:46**
